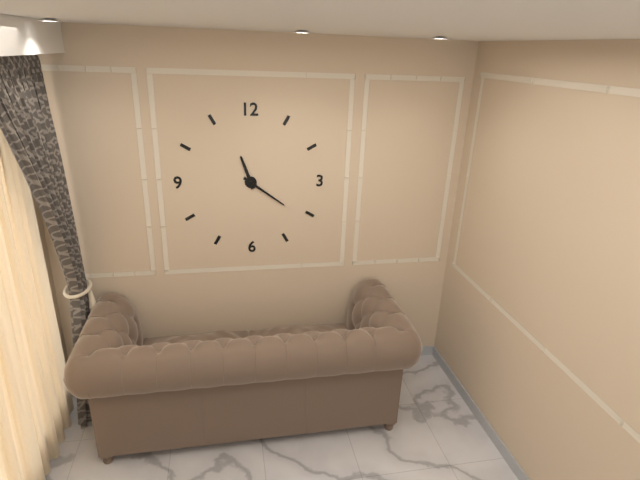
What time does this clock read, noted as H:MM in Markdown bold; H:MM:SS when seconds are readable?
**11:21**
